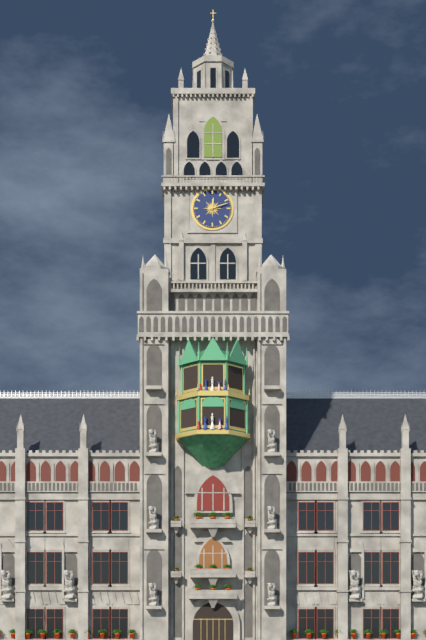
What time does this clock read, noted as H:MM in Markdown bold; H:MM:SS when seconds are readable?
**12:12**
